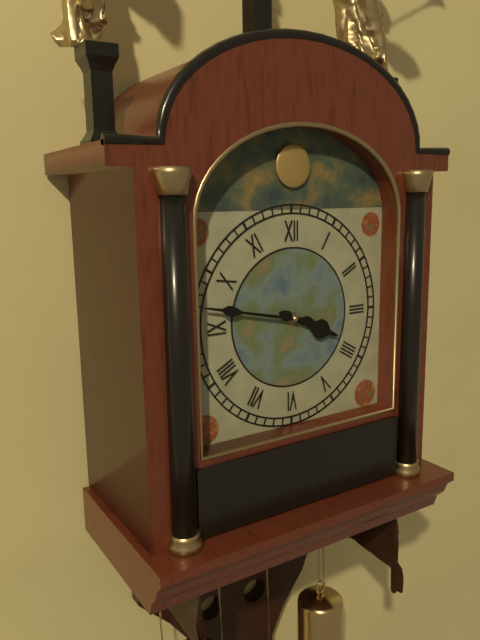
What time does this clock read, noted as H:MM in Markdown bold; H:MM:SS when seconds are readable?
**3:47**
